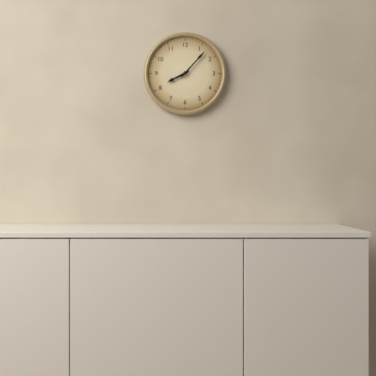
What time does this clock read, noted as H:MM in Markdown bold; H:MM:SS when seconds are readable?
**8:07**
